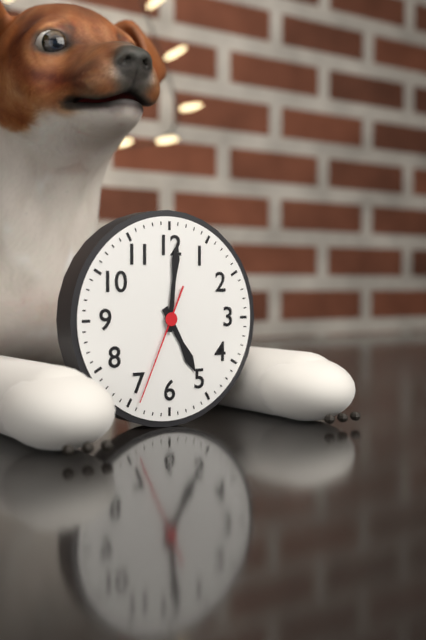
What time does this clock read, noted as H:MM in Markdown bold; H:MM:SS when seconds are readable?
**5:01:34**
